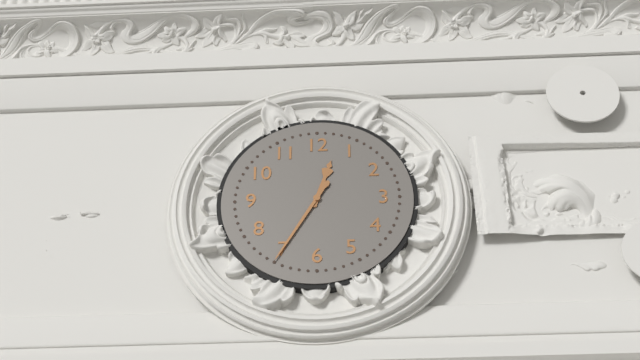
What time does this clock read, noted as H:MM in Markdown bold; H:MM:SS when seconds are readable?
**12:35**
